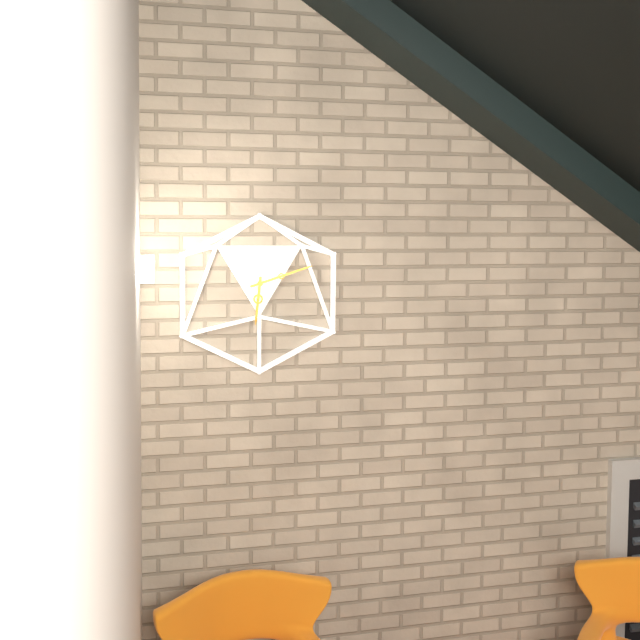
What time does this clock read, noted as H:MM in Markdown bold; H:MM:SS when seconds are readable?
**6:12**
